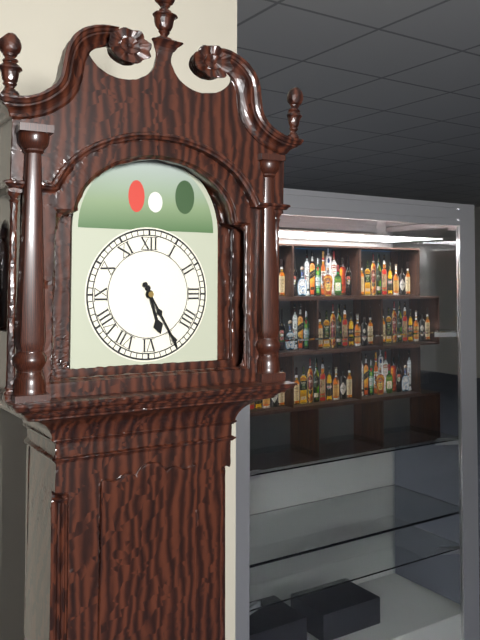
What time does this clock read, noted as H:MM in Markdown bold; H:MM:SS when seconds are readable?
**5:25**
